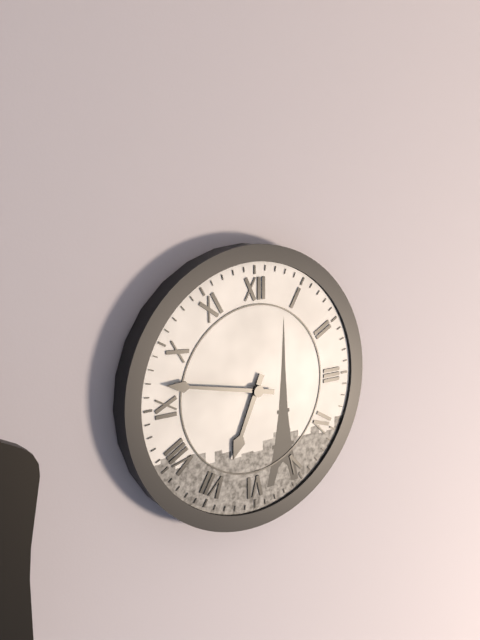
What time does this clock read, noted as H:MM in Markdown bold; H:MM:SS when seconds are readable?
**6:47**
